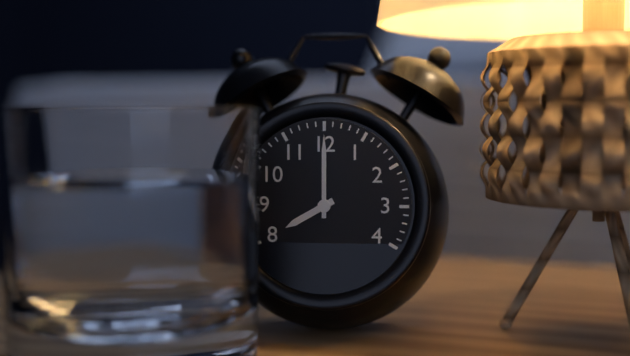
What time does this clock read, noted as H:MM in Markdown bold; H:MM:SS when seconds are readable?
**8:00**
